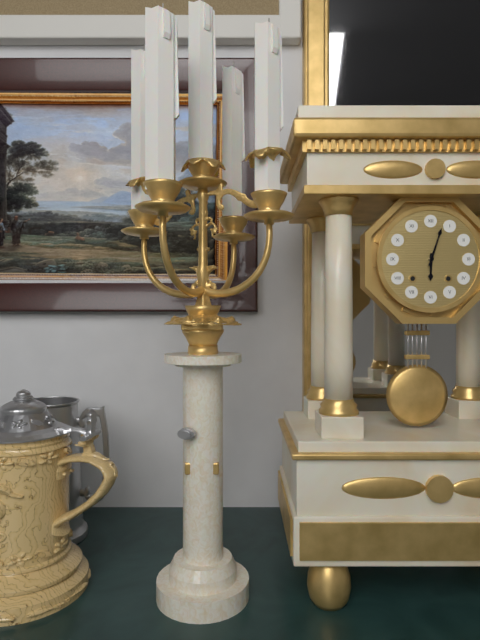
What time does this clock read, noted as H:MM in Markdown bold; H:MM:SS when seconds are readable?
**6:03**
